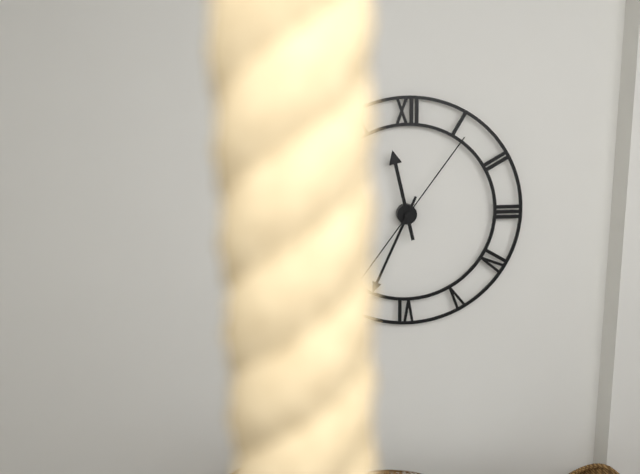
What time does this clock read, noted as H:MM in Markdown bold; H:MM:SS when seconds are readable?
**11:34**
